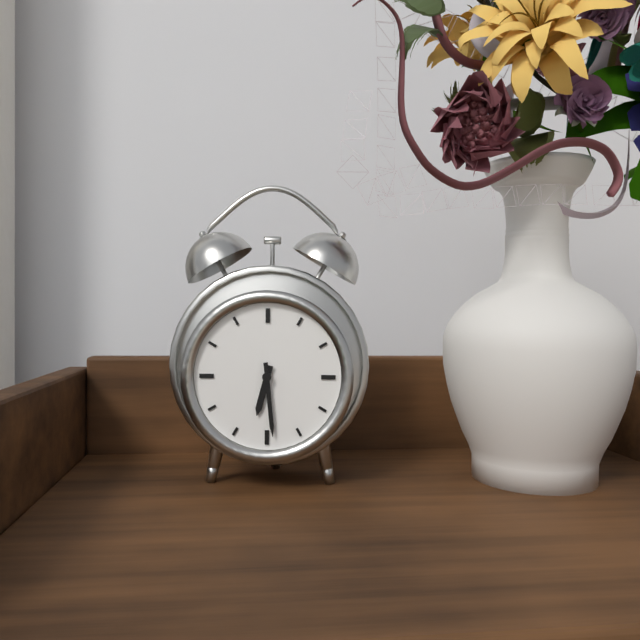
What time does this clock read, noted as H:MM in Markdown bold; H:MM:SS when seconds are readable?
**6:29**
